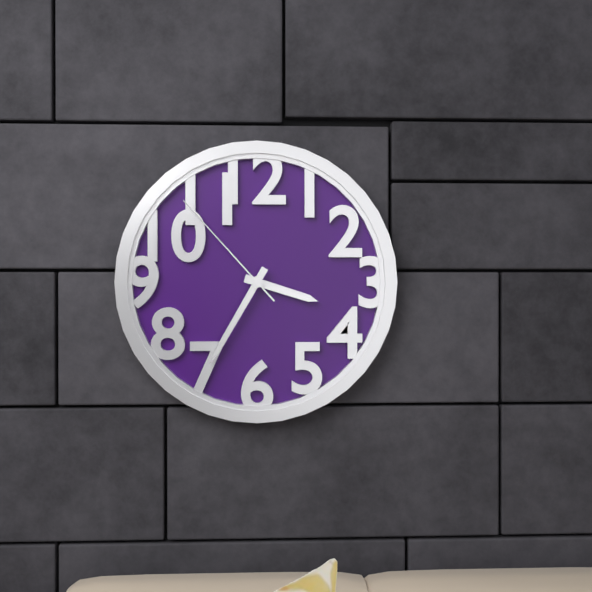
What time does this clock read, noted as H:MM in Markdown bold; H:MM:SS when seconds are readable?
**3:35:53**
